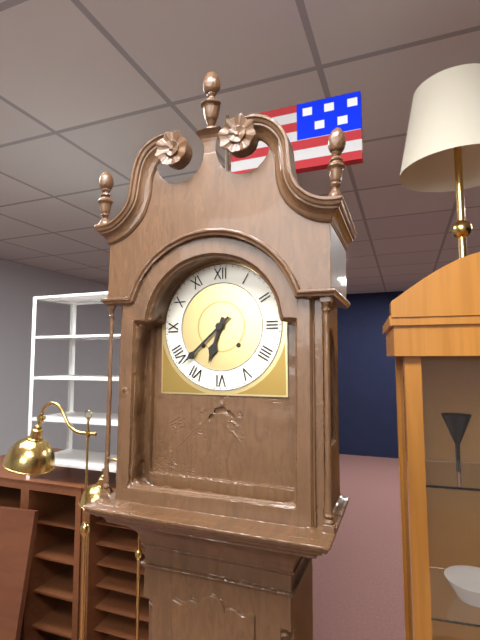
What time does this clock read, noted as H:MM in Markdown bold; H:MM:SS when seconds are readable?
**6:38**
